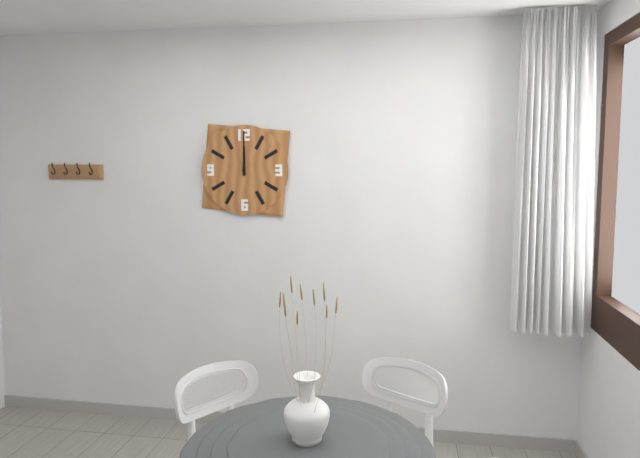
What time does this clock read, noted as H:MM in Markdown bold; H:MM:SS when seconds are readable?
**12:00**
